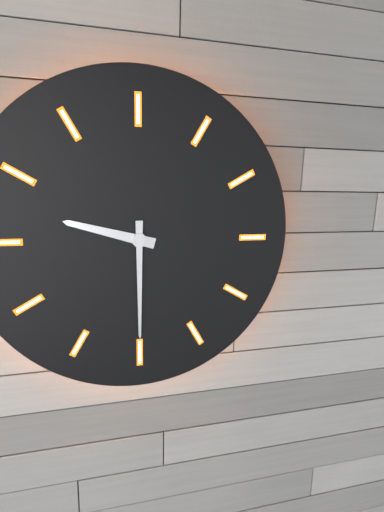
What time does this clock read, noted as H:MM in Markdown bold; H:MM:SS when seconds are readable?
**9:30**
